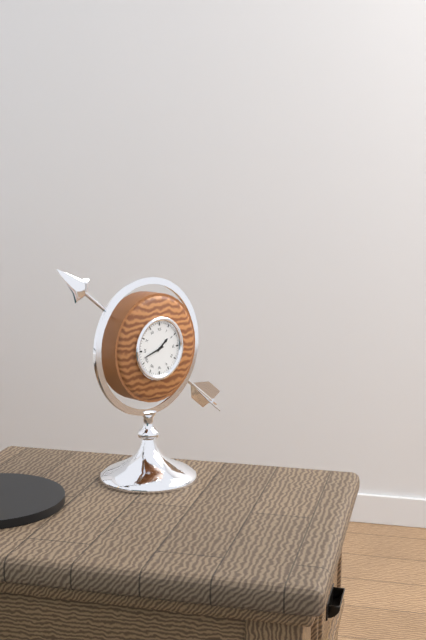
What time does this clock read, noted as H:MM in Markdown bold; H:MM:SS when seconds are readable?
**1:42**
